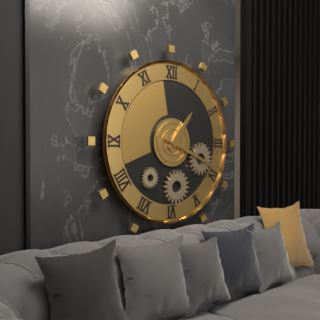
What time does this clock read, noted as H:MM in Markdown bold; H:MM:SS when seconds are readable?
**1:19**
